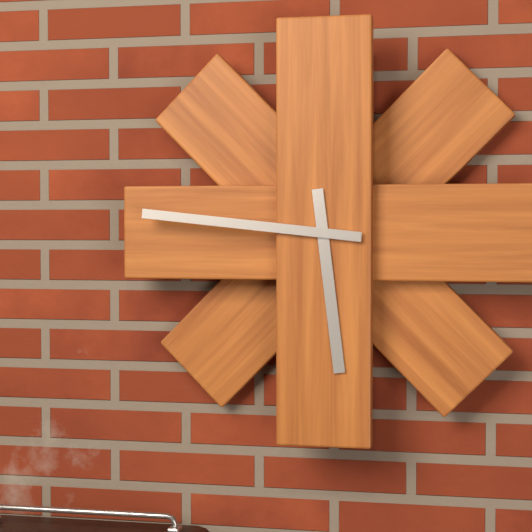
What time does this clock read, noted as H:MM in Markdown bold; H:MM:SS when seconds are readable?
**5:46**
